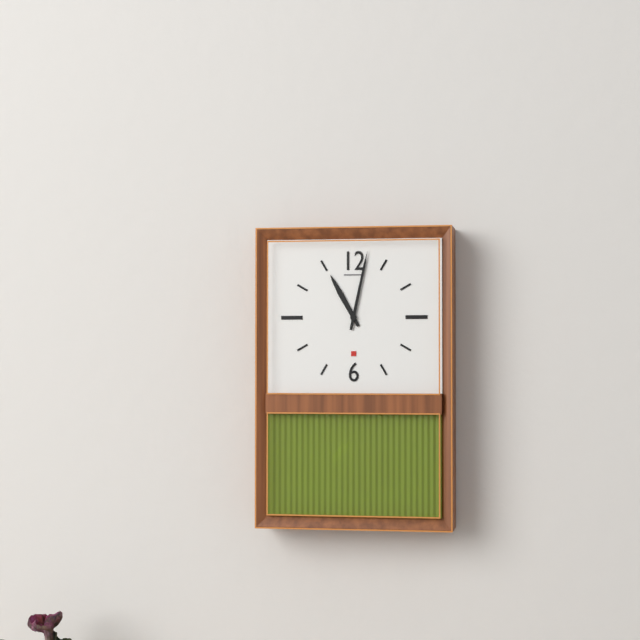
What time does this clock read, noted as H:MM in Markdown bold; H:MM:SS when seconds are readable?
**11:02**
